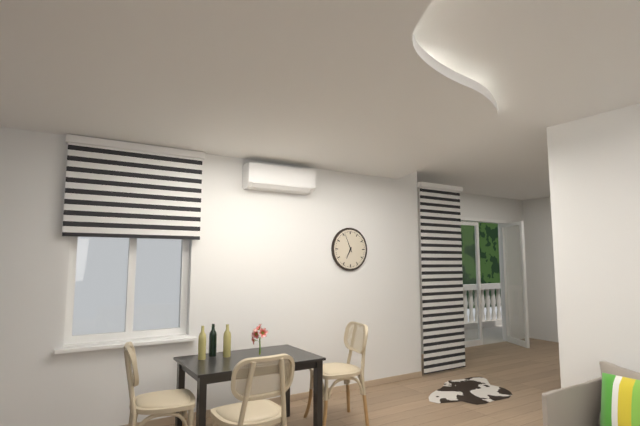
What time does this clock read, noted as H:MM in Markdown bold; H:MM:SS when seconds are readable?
**6:56**
